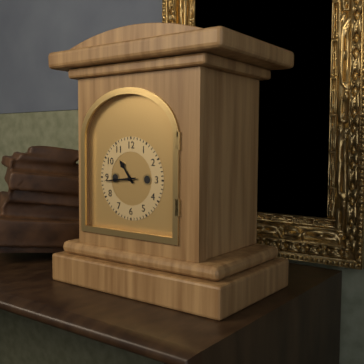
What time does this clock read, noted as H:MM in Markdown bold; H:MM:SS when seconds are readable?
**10:44**
